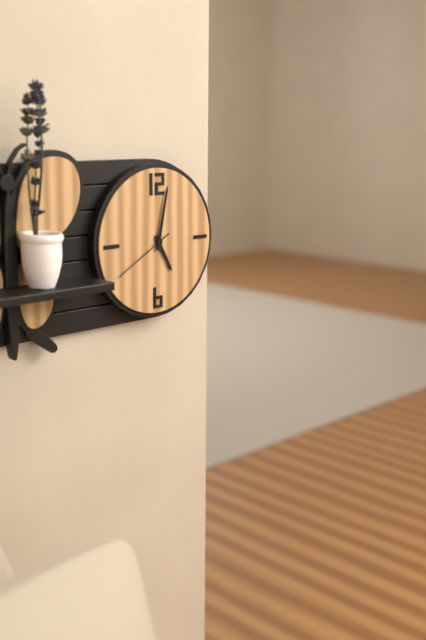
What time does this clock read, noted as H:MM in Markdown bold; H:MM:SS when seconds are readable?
**5:02:40**
